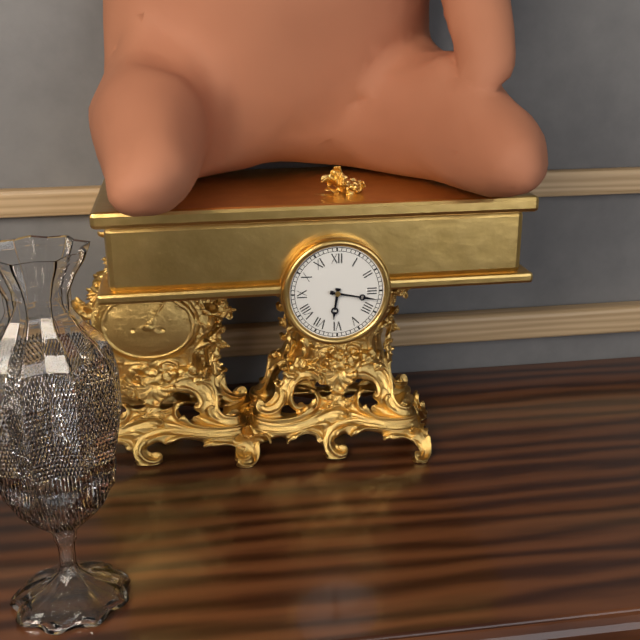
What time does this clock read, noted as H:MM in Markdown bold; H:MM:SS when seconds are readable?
**6:17**
